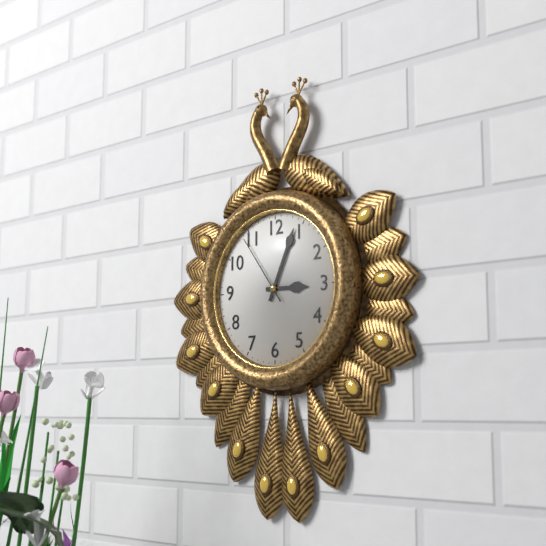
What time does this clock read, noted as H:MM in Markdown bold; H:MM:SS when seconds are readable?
**3:04:54**
